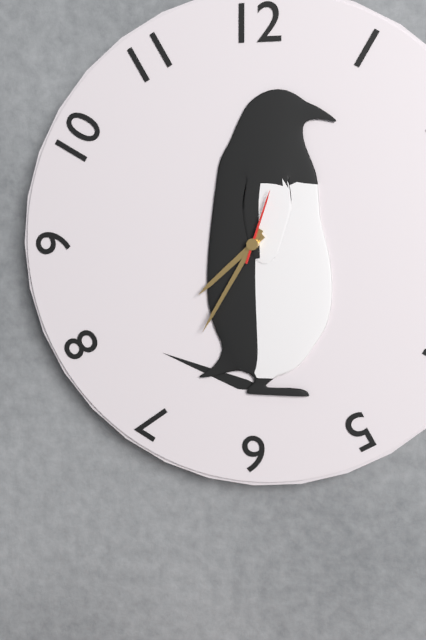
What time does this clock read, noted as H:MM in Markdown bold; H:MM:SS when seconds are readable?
**7:35:03**
